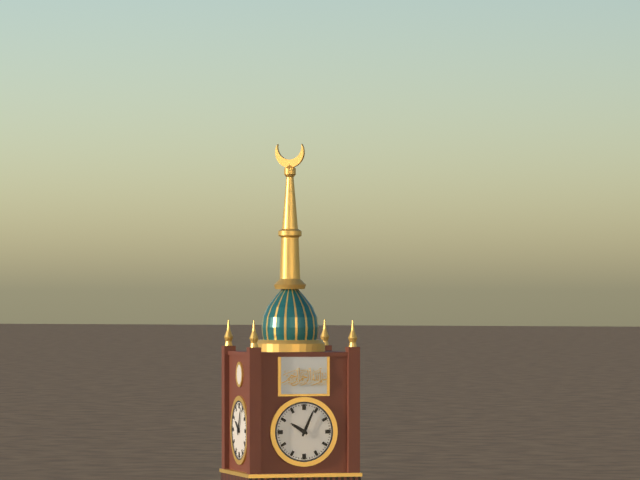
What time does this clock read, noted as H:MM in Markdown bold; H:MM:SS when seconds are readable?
**10:04**
